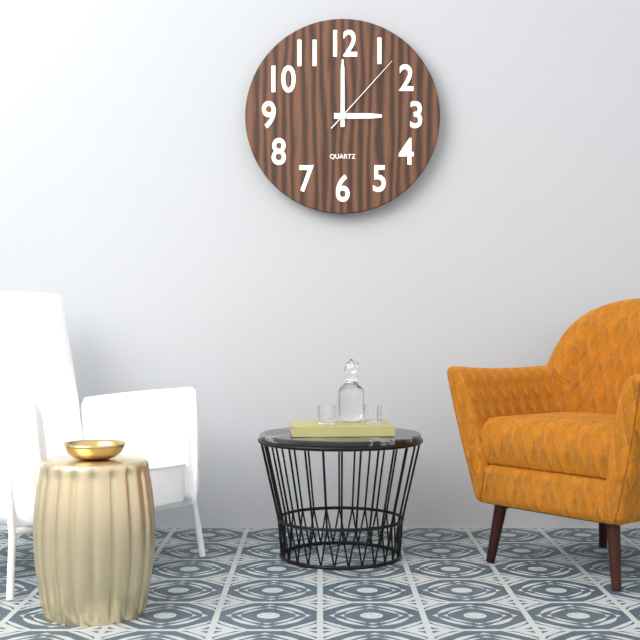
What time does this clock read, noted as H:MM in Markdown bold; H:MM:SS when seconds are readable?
**3:00:07**
